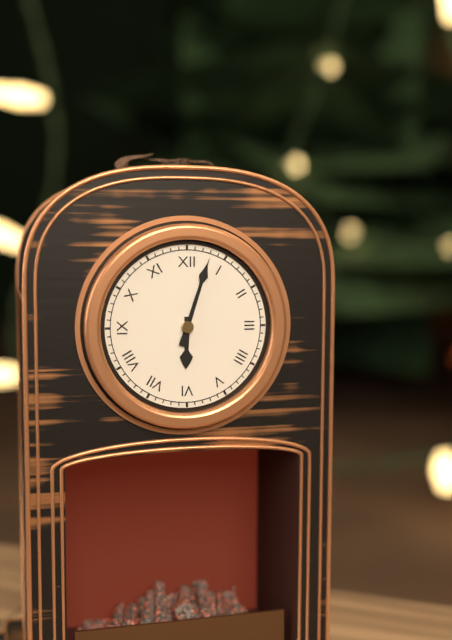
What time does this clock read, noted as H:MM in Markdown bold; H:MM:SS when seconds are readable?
**6:03:03**
